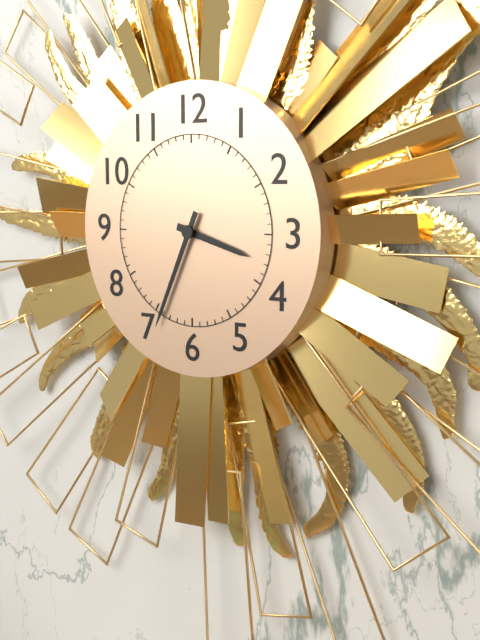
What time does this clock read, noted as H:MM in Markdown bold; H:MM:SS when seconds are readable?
**3:34**
